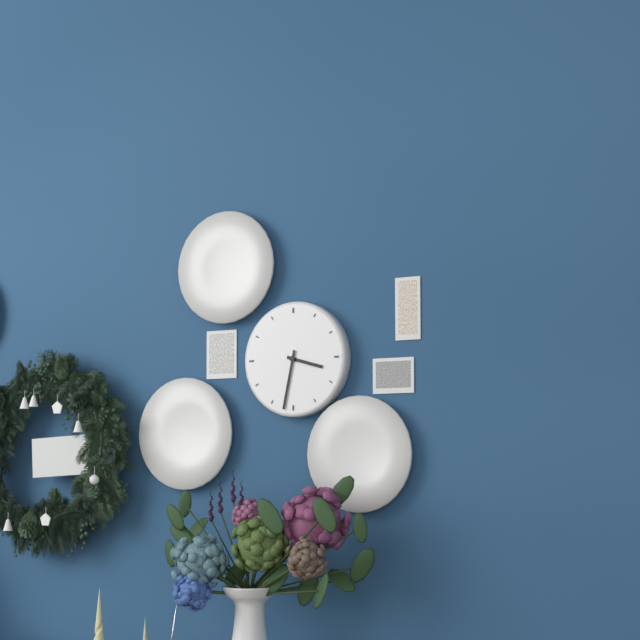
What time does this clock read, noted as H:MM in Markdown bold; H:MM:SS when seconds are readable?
**3:32**
